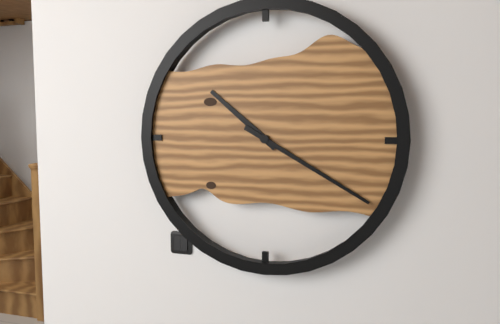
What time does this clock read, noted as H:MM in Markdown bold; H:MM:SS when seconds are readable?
**10:20**
